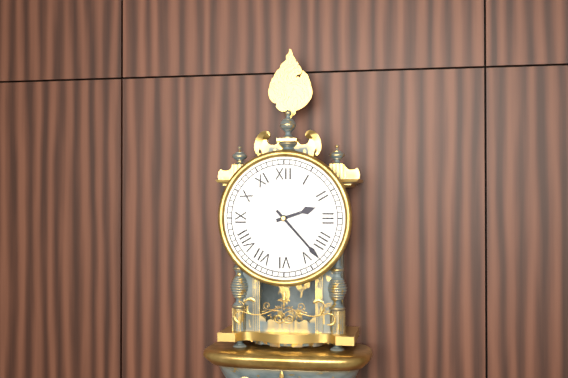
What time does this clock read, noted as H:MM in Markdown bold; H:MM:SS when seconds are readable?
**2:23**
